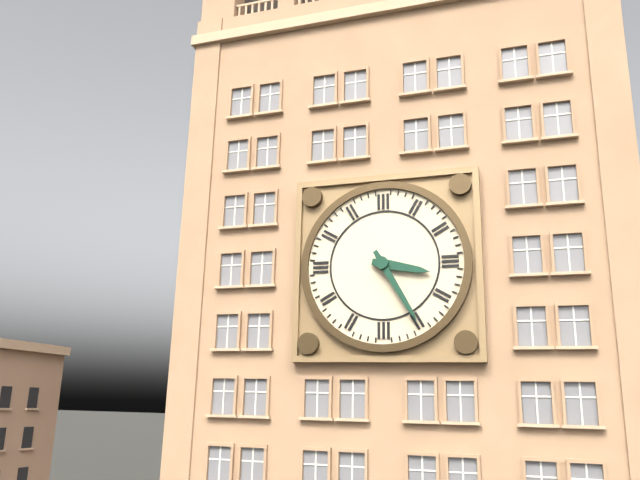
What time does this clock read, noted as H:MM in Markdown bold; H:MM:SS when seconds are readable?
**3:25**
